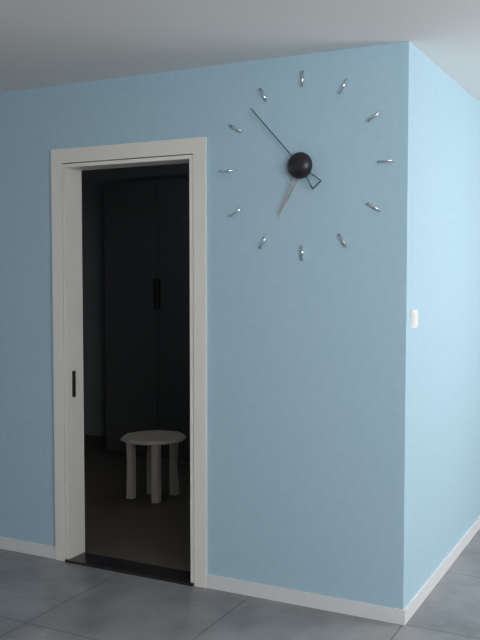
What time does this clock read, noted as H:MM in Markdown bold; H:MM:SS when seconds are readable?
**6:53**
